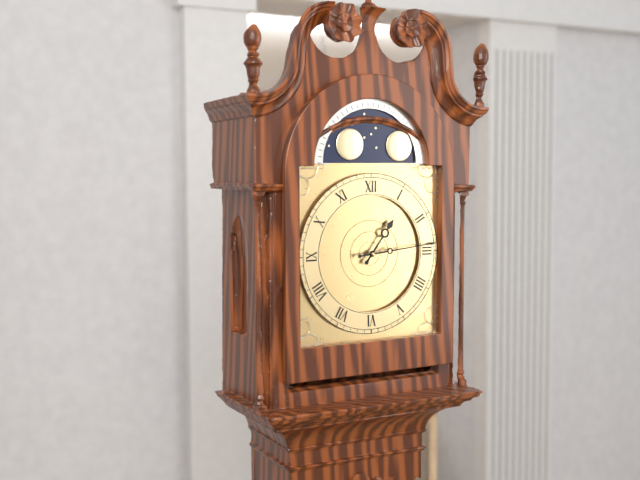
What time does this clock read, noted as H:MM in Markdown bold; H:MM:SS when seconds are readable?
**1:14**
